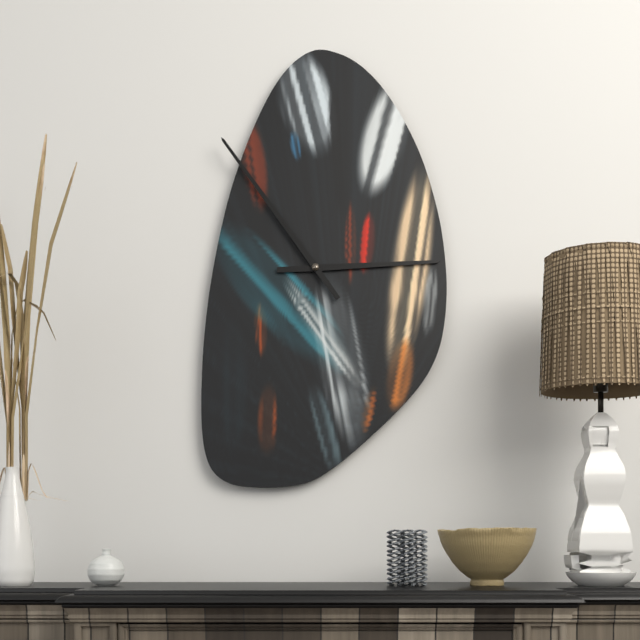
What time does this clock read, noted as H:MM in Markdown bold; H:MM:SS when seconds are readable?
**2:54**
